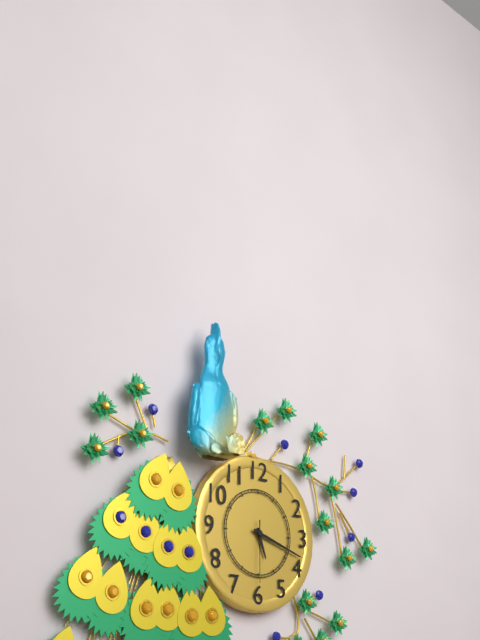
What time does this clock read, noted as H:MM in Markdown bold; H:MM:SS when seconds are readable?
**5:18:30**
